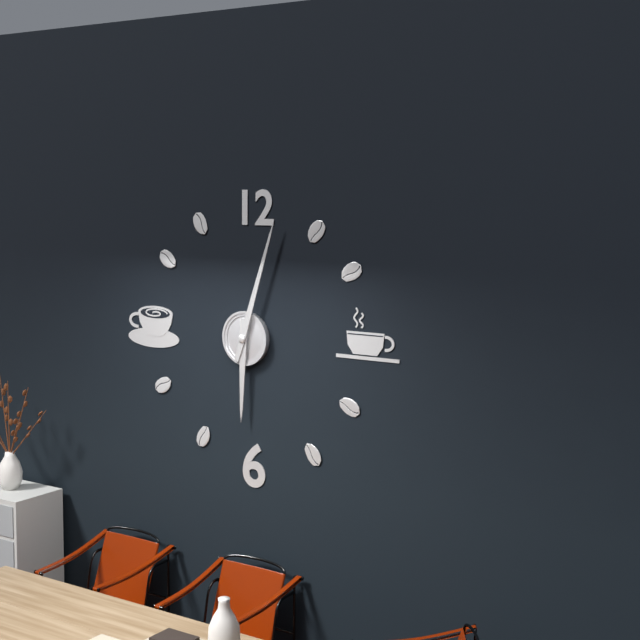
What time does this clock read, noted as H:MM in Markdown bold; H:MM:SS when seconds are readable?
**6:03**
